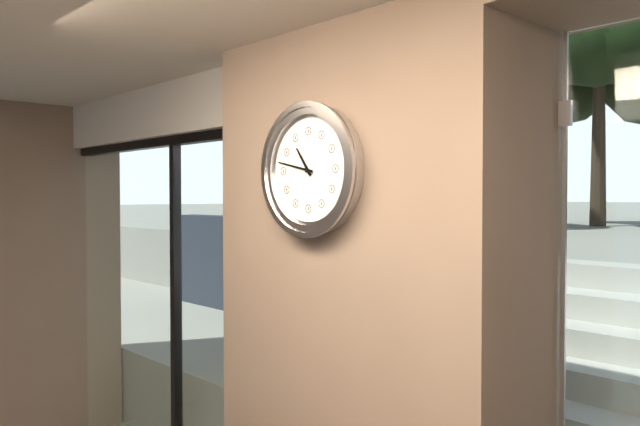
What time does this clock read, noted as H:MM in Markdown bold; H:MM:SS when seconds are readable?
**10:47**
